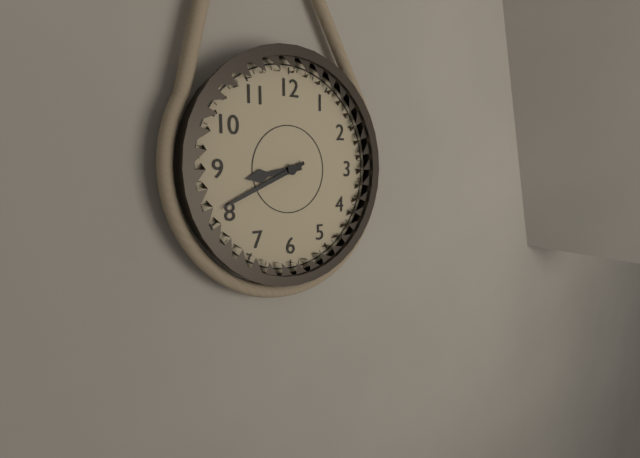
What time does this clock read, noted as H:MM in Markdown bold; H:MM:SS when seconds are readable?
**8:41**
